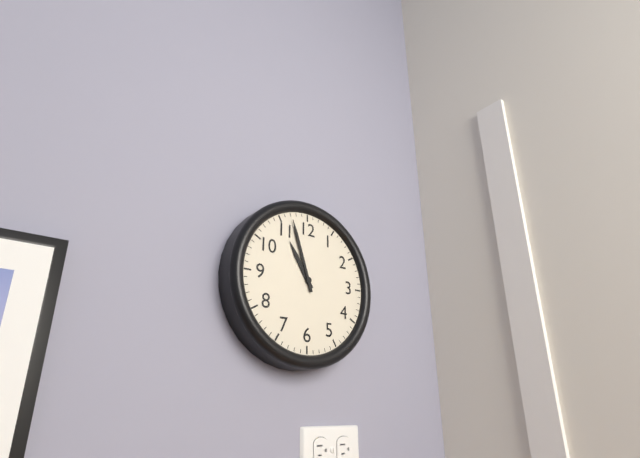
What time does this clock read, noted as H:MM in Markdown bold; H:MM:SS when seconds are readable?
**10:57**
